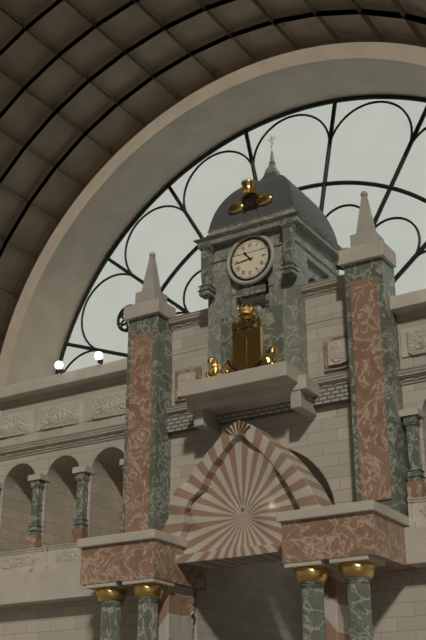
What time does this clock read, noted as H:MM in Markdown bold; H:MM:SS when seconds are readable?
**10:44**
